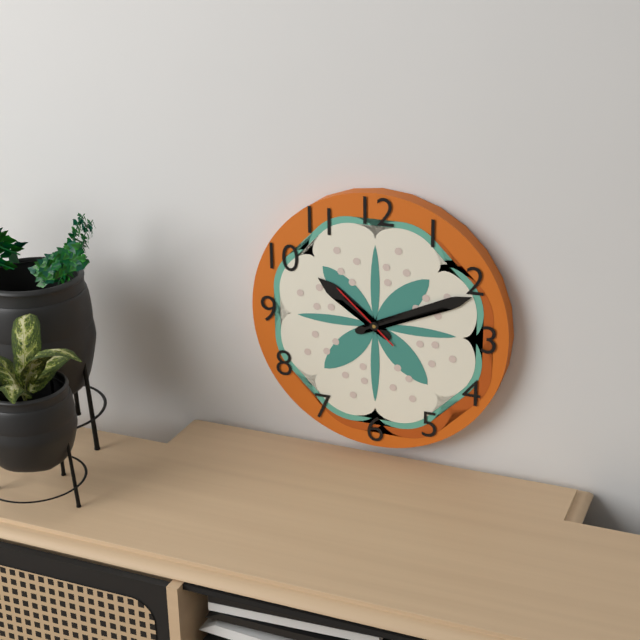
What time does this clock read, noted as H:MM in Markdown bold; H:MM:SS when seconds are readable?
**10:11:52**
